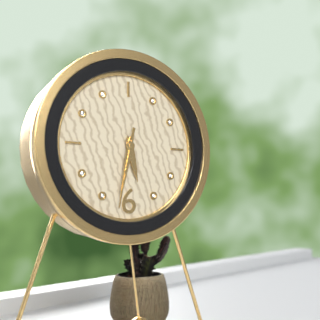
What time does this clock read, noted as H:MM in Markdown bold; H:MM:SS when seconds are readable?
**5:32:32**
